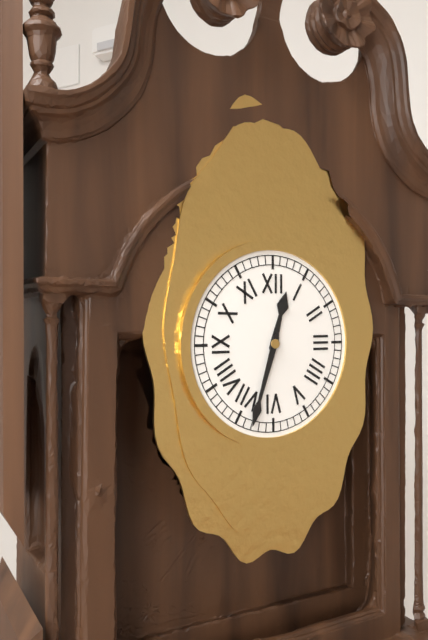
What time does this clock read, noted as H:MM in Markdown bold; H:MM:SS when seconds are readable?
**12:33**
